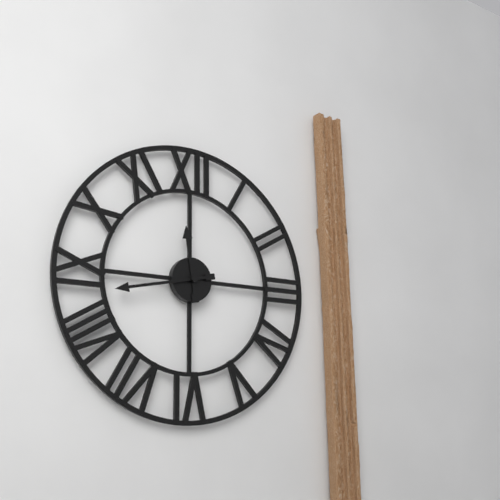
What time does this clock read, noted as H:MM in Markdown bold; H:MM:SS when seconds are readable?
**11:43**
